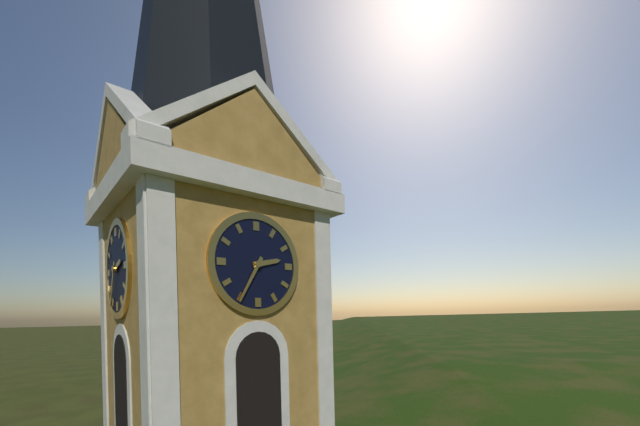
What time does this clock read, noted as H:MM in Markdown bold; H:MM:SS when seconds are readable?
**2:35**
